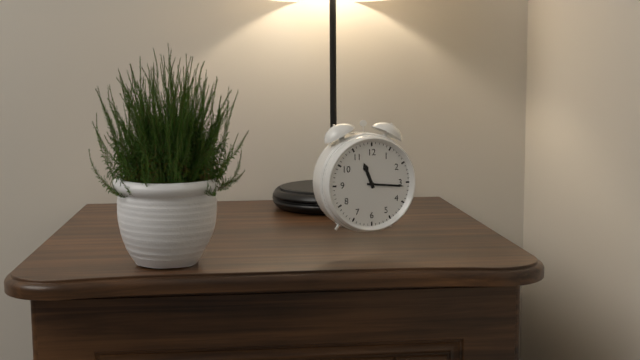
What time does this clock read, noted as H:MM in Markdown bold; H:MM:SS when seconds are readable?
**11:16**
